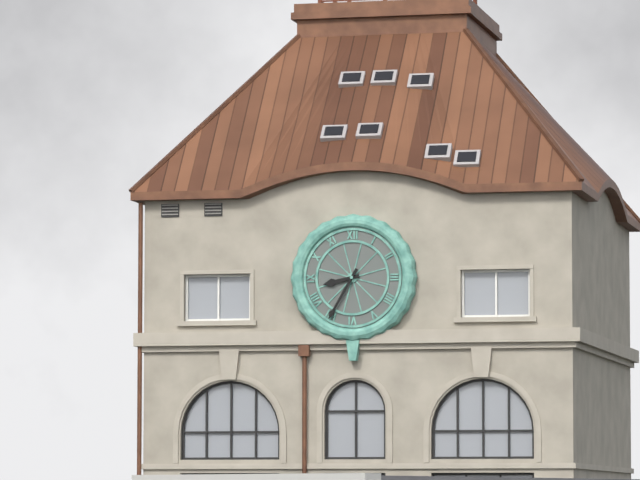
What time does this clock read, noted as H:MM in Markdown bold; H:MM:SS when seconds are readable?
**8:35**
